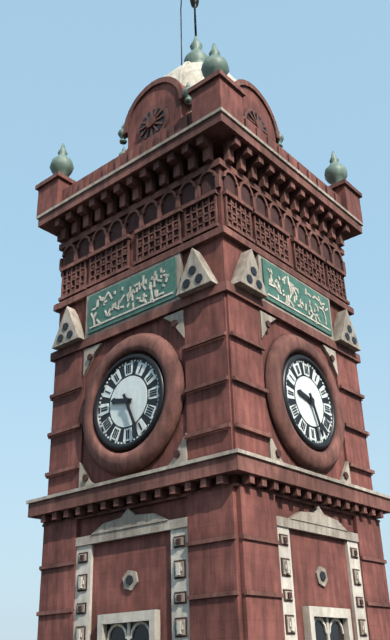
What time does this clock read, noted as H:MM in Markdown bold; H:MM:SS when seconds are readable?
**9:26**
